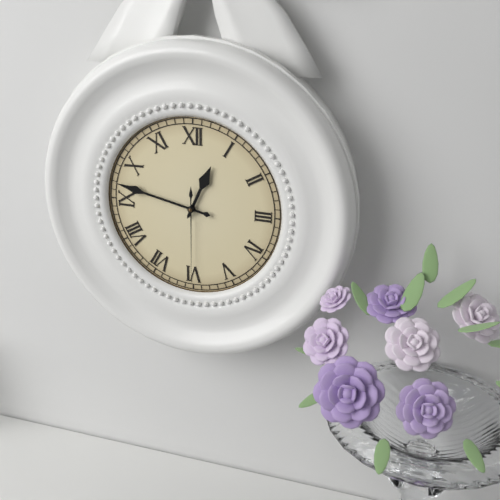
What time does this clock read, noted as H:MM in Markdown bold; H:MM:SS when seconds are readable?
**12:47:30**
